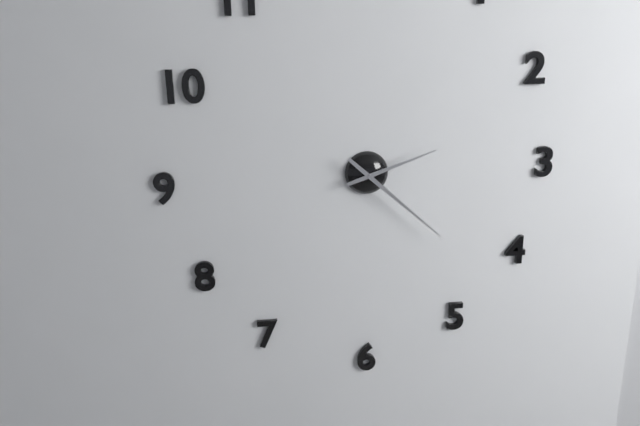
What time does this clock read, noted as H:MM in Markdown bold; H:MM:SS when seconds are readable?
**2:22**
